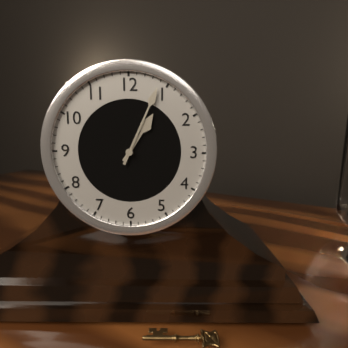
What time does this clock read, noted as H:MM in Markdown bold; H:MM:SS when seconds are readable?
**1:04**
